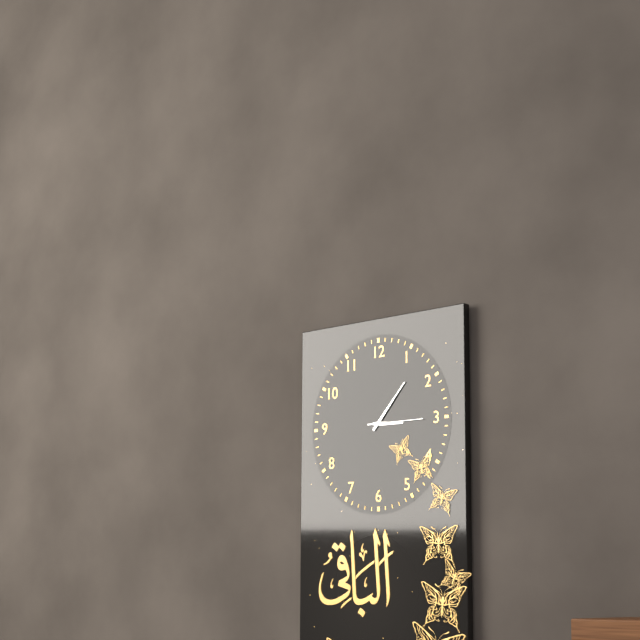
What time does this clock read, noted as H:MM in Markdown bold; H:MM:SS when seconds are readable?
**3:07:15**
